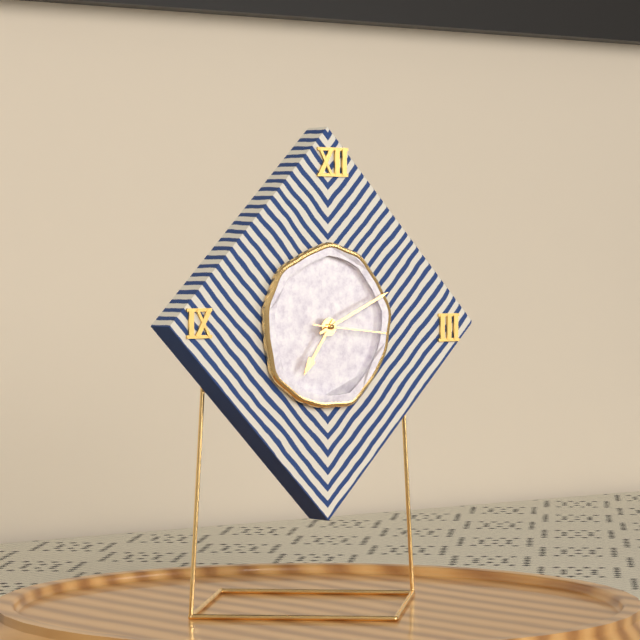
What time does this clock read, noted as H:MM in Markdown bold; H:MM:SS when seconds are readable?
**7:11:16**
